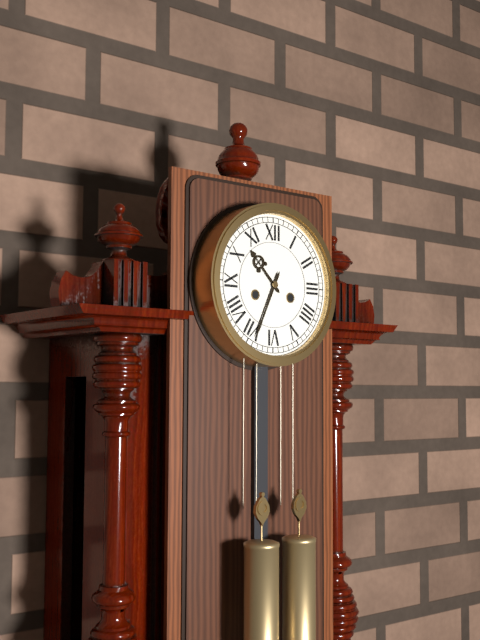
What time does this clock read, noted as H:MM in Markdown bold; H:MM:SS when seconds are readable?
**10:34**
